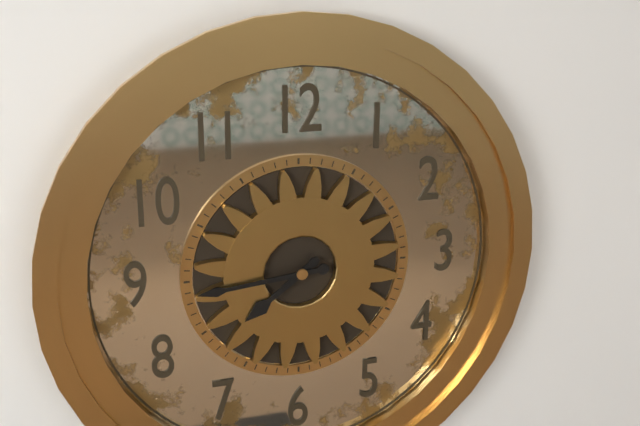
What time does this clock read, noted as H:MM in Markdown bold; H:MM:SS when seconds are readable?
**7:44**
